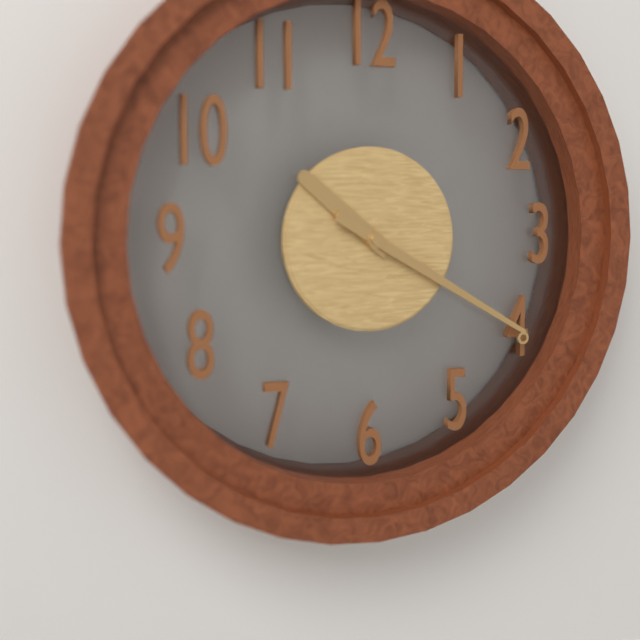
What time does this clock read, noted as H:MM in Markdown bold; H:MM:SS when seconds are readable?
**10:20**
